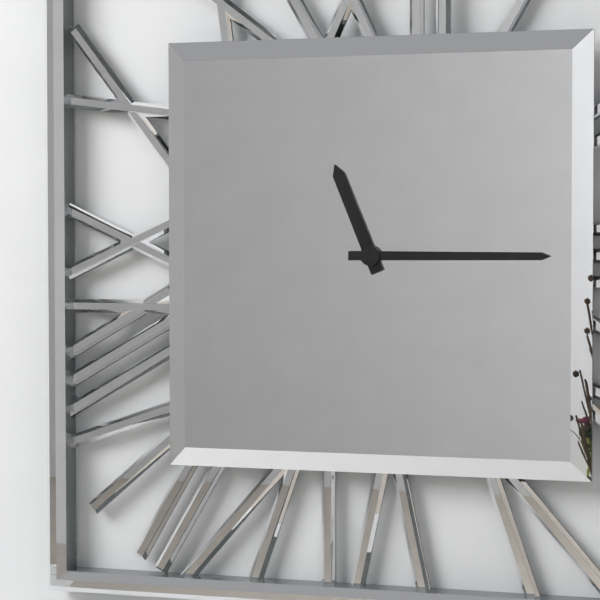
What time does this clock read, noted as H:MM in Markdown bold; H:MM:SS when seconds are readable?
**11:15**
